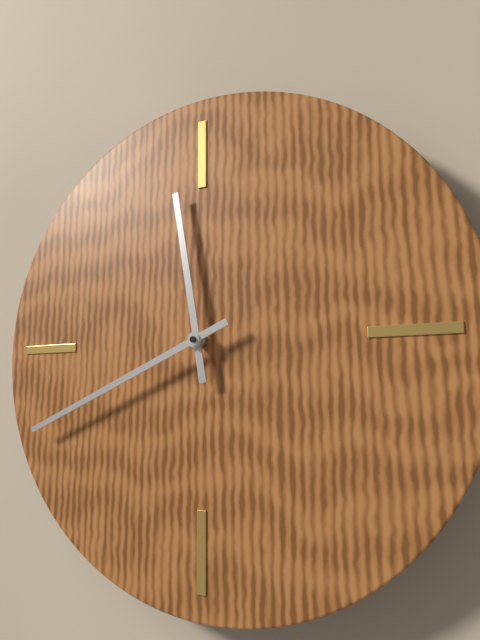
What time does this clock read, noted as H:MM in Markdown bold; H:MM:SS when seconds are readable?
**11:41**
